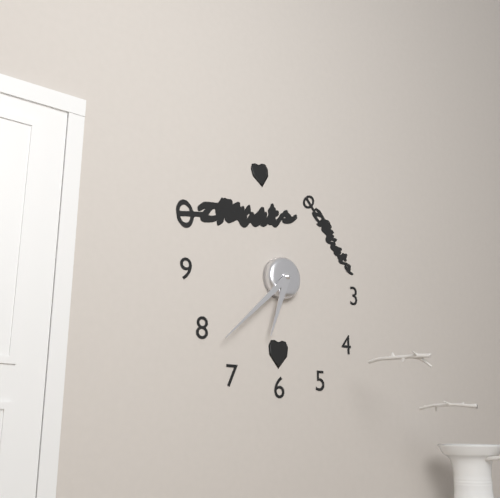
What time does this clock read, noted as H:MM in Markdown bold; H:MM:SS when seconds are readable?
**6:38**
